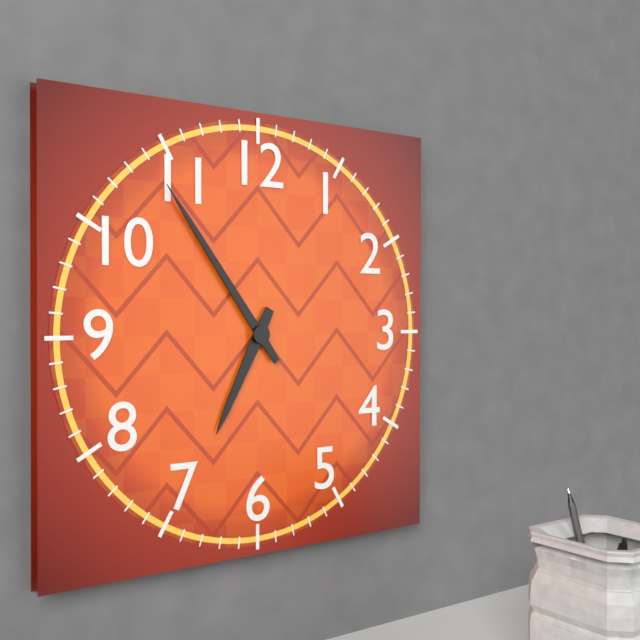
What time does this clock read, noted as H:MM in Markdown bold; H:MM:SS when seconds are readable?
**6:54**
